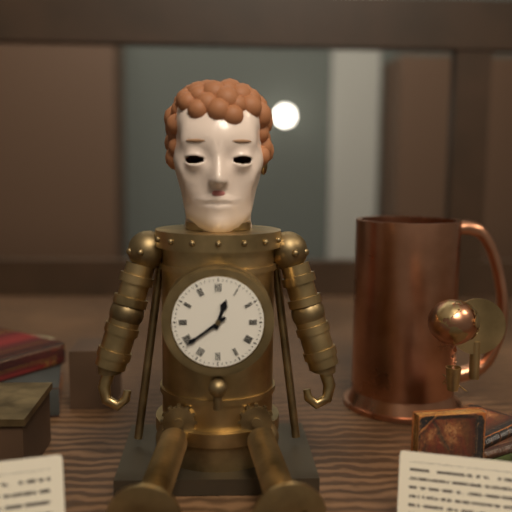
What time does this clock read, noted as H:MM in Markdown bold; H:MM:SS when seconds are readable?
**12:39**
